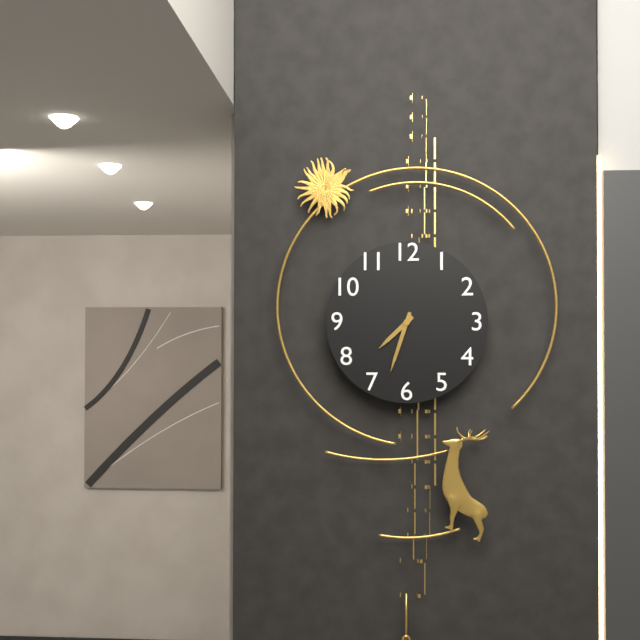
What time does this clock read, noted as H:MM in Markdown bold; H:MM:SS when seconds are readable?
**7:33**
